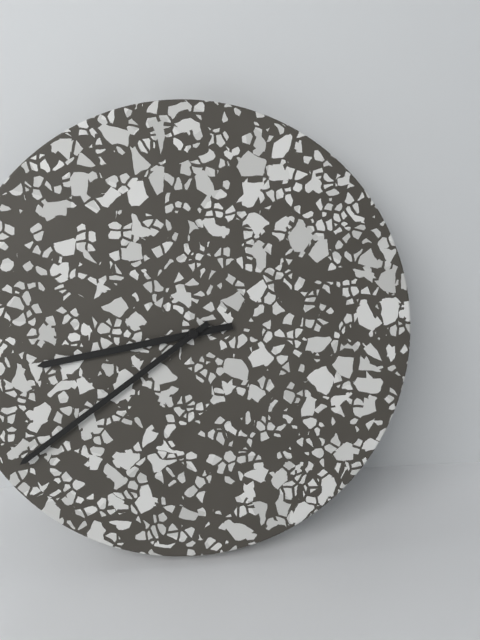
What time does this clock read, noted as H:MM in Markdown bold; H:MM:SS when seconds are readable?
**8:39**
